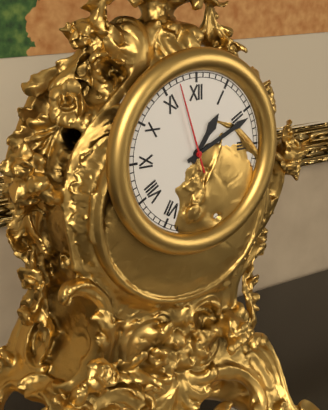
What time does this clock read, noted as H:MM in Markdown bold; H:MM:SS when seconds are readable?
**1:11:57**
